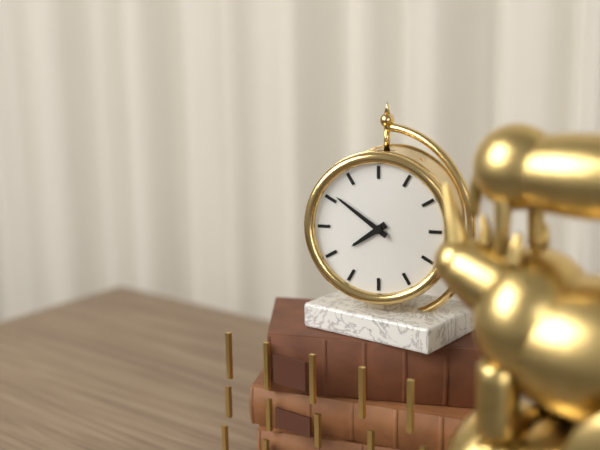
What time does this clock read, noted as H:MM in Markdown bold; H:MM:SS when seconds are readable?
**7:51**
